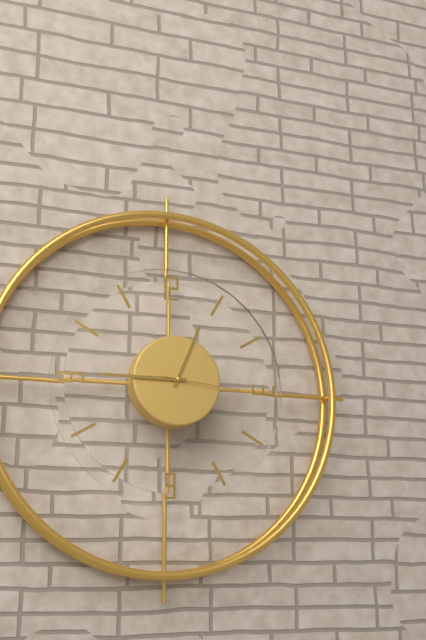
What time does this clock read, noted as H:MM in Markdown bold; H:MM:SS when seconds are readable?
**12:45:16**
